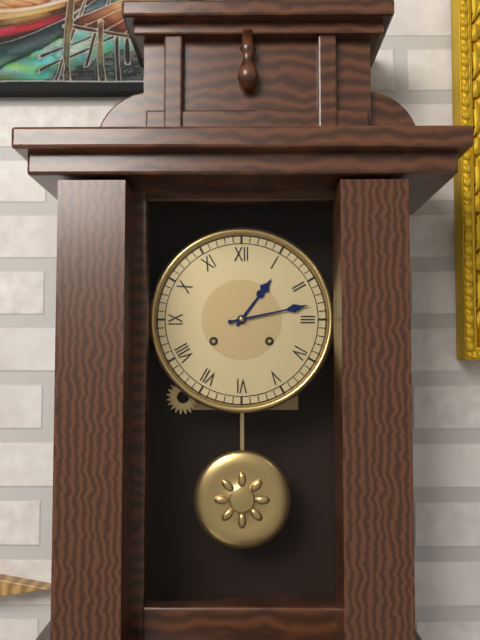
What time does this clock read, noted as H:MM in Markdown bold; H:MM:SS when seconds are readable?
**1:13**
